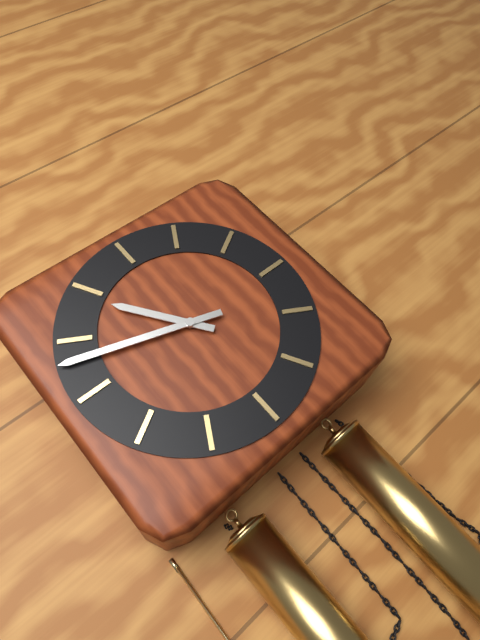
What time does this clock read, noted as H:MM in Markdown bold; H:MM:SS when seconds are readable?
**10:48**
